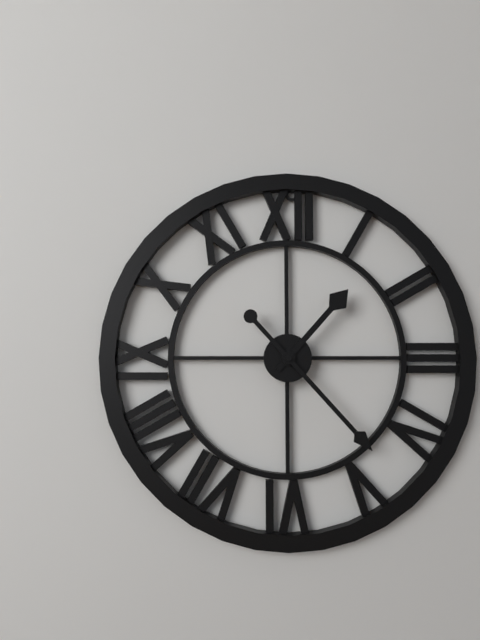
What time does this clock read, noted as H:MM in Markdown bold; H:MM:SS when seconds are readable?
**1:23**
